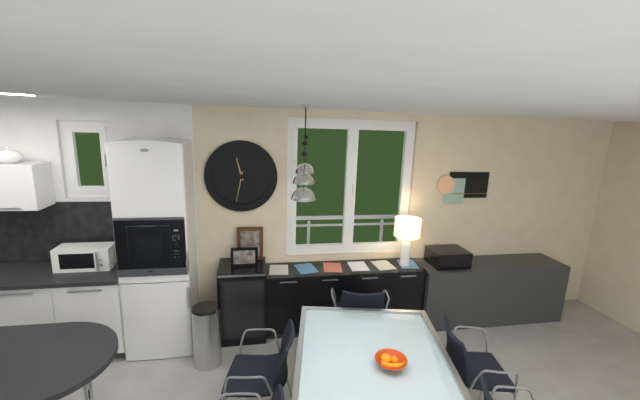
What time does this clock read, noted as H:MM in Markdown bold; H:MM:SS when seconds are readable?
**11:32**
